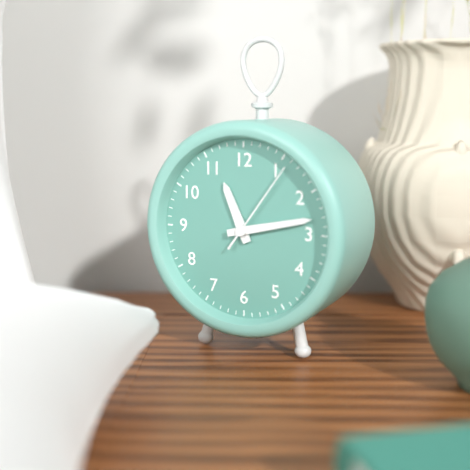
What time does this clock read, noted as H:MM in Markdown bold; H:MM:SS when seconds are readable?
**11:13:06**
